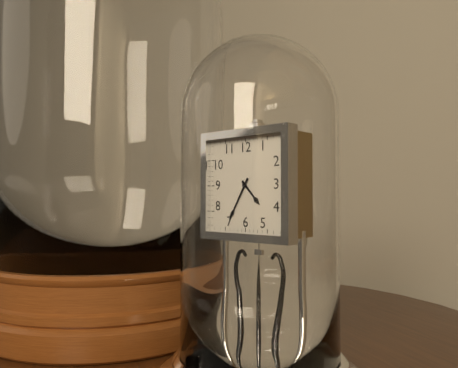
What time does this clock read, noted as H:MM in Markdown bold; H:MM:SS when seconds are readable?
**4:35**
